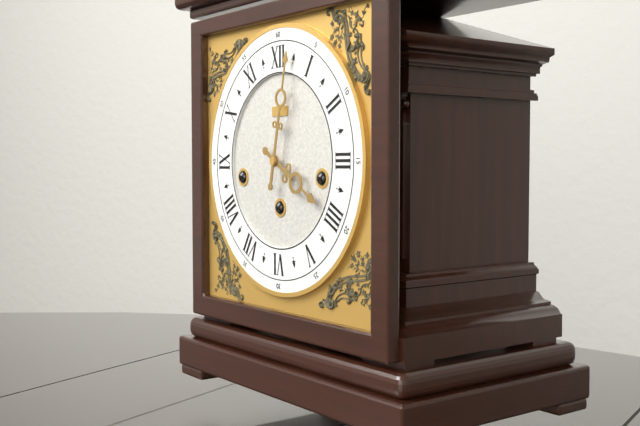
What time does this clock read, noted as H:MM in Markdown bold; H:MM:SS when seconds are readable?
**4:02**
